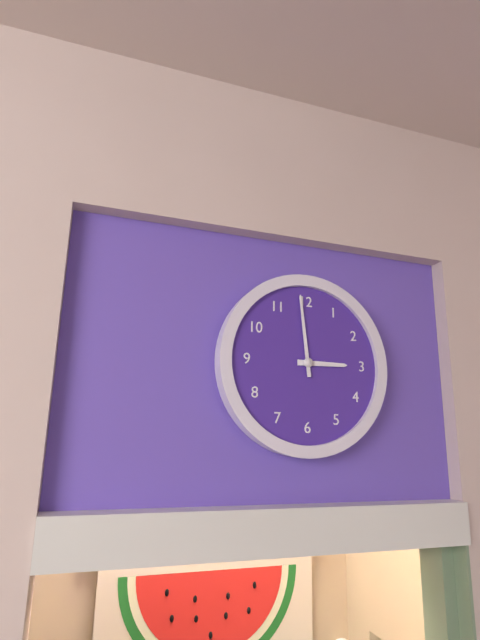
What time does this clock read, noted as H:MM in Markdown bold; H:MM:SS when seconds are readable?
**2:59**
